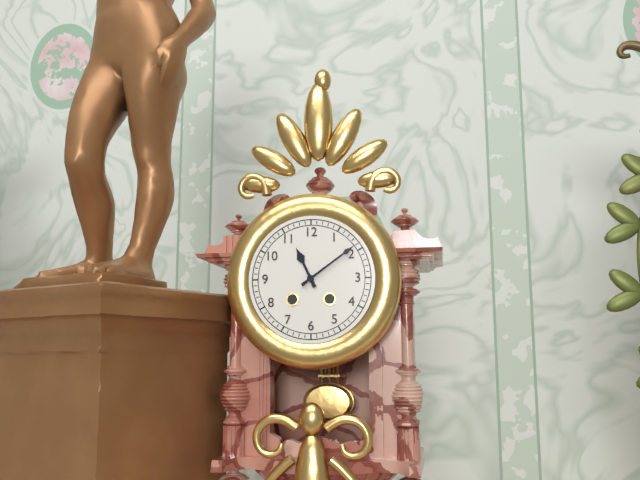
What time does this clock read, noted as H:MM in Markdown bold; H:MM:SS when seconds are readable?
**11:09**
